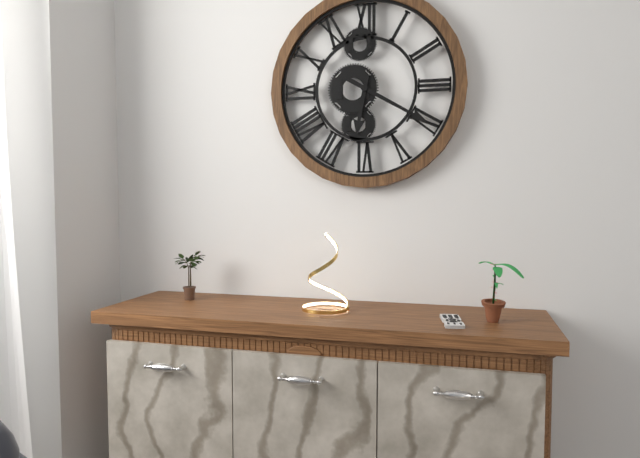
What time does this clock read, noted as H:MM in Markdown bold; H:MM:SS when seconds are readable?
**6:20**
